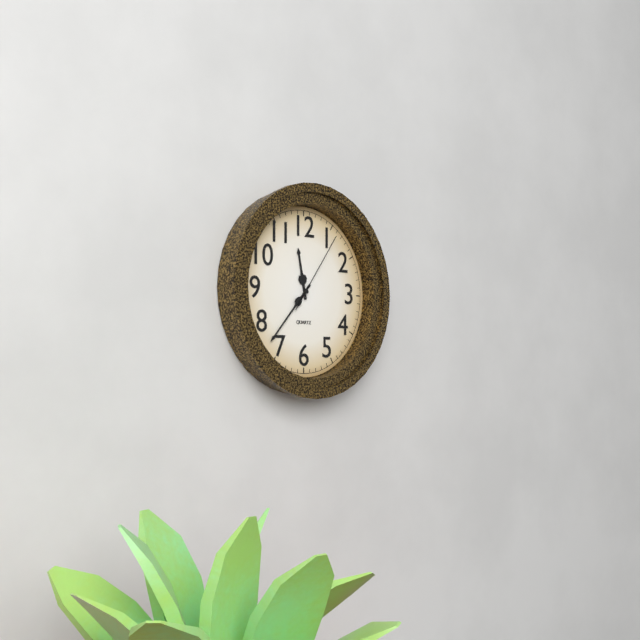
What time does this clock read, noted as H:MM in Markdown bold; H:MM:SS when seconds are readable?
**11:37:06**
